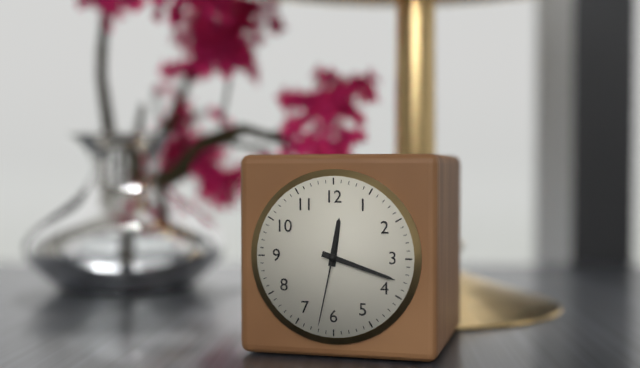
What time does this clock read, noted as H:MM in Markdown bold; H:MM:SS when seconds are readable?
**12:18:32**
